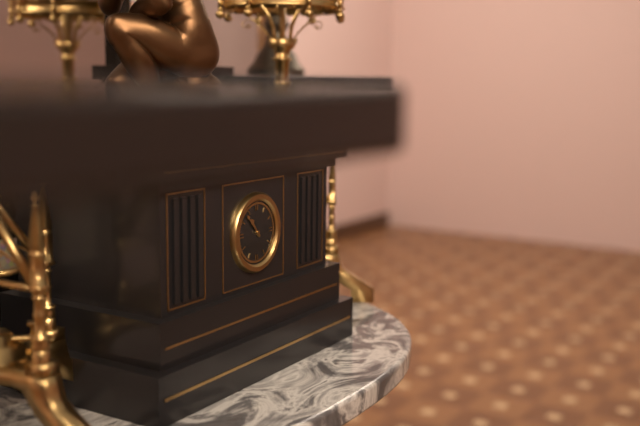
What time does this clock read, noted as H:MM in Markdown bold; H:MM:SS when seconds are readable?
**10:53**
